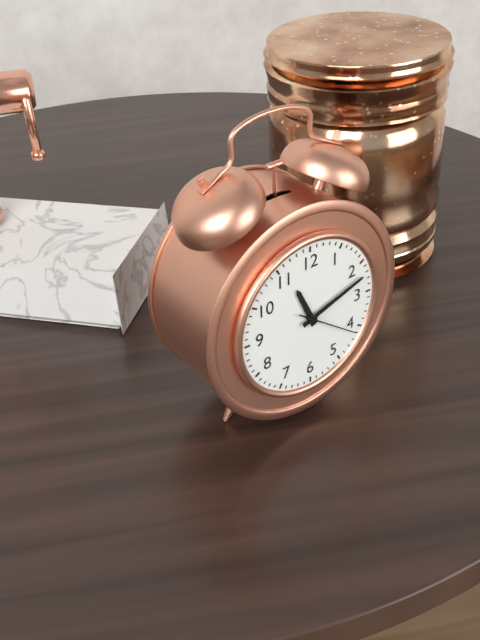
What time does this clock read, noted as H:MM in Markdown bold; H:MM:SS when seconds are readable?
**11:12:21**
